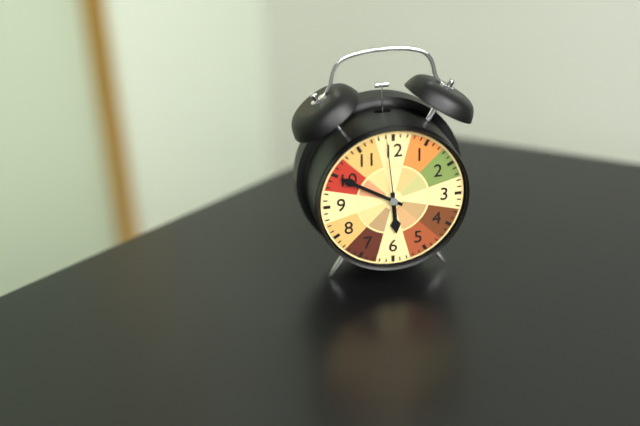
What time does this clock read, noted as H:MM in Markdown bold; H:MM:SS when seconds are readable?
**5:50:59**
